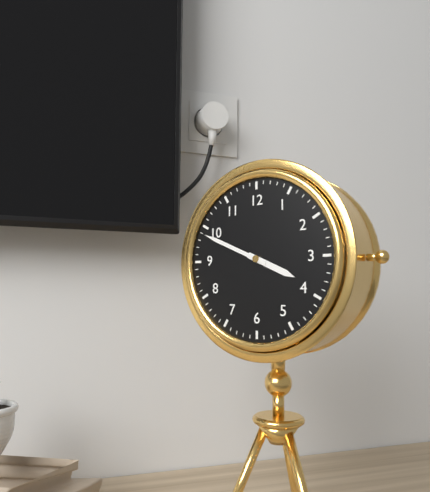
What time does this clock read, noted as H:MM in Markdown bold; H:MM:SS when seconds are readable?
**3:49**
